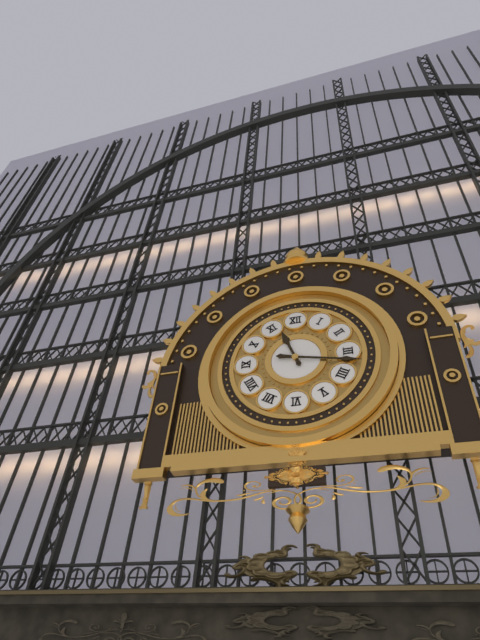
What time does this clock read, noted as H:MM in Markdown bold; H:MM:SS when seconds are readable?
**11:17**
